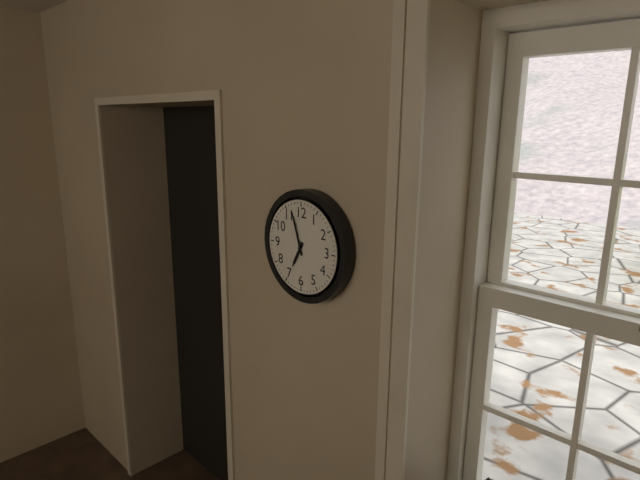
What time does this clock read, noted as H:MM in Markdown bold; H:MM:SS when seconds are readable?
**6:57**
